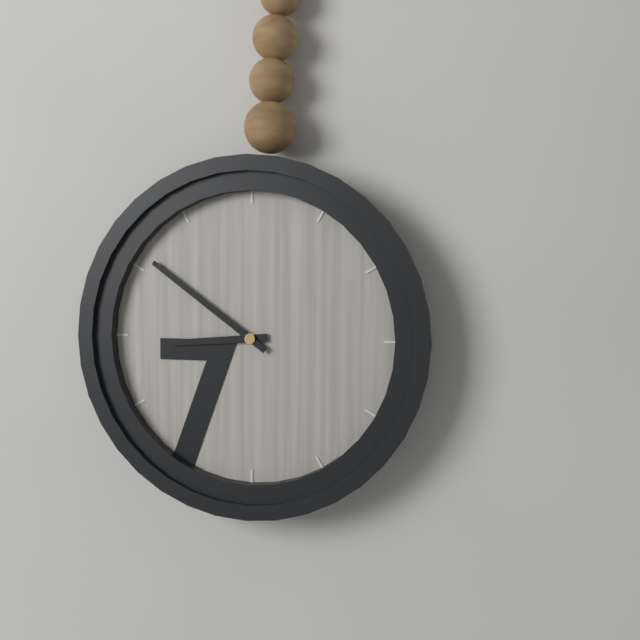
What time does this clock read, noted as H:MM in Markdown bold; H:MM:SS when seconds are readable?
**8:51**
